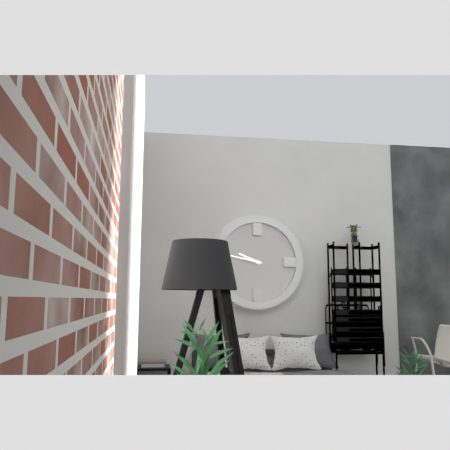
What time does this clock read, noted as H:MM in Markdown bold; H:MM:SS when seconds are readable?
**9:47**
